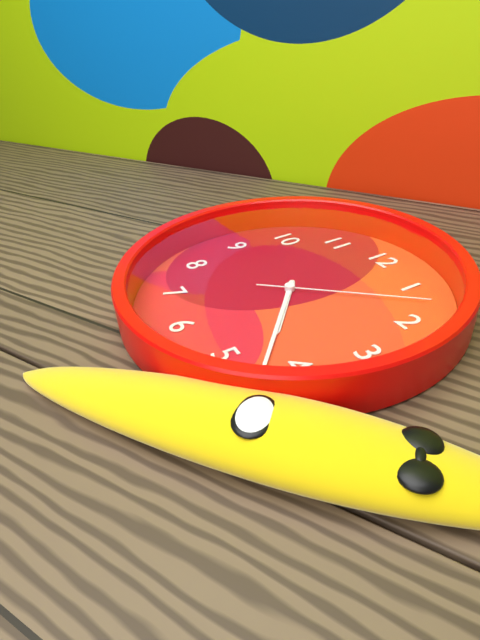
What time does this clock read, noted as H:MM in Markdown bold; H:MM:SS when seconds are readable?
**4:22:07**
